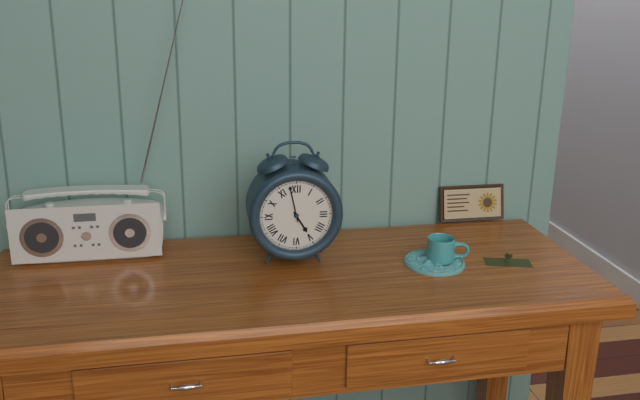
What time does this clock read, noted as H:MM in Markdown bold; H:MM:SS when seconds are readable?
**4:58**
